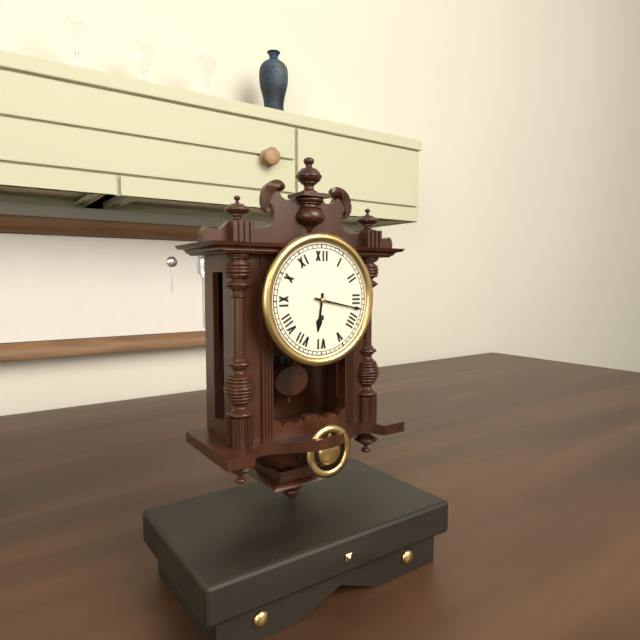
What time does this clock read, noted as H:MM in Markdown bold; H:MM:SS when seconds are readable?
**6:17**
